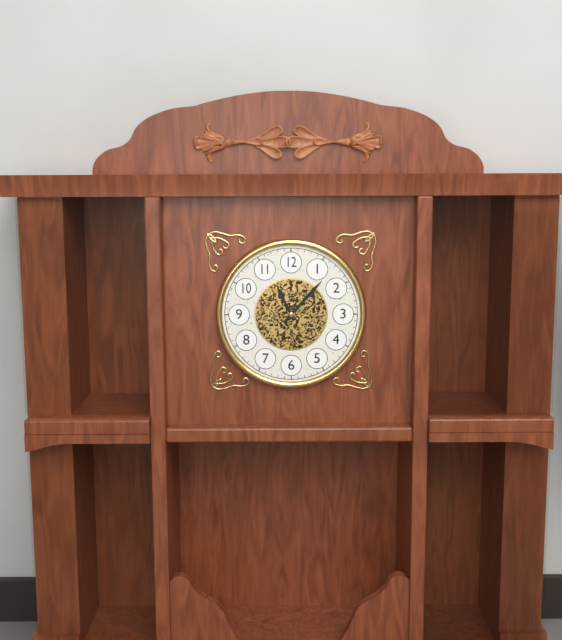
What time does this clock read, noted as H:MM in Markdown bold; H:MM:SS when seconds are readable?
**11:07**
